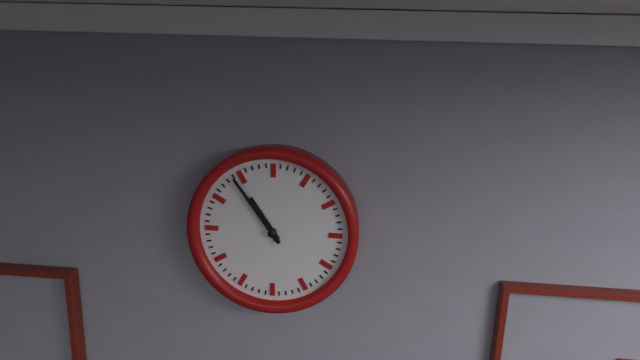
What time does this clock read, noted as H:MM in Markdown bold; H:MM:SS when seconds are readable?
**10:54**
